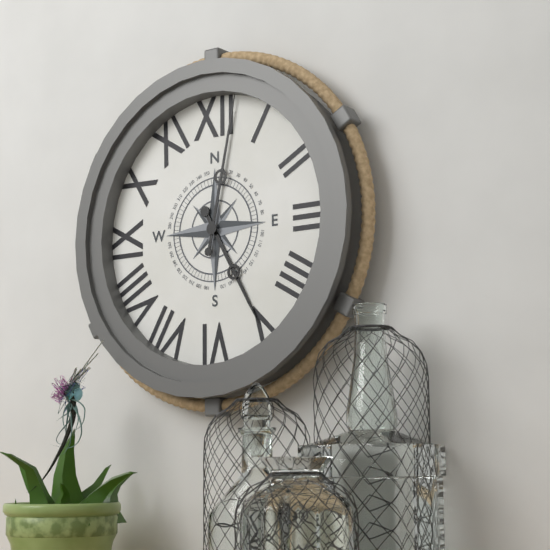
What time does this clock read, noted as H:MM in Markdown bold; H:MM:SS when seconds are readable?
**5:02**
